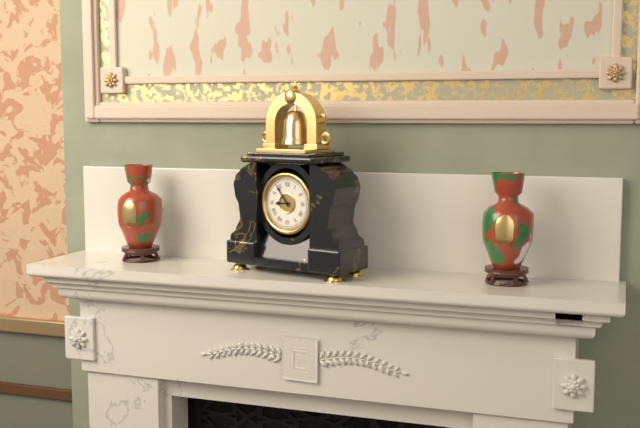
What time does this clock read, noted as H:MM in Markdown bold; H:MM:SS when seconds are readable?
**8:54**
